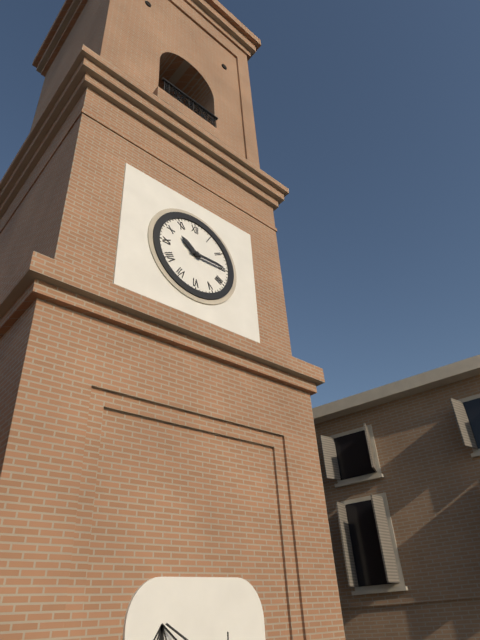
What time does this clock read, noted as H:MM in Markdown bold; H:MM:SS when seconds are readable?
**10:15**
